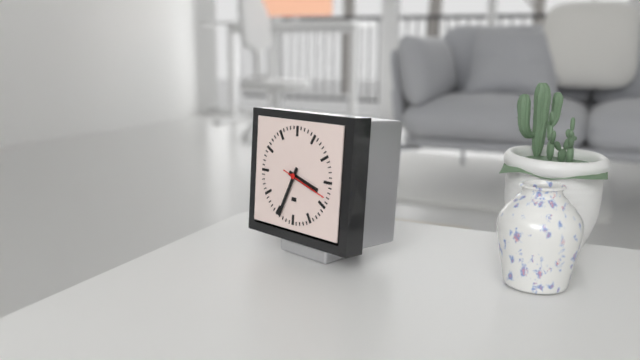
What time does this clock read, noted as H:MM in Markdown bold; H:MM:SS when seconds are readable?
**3:34**
